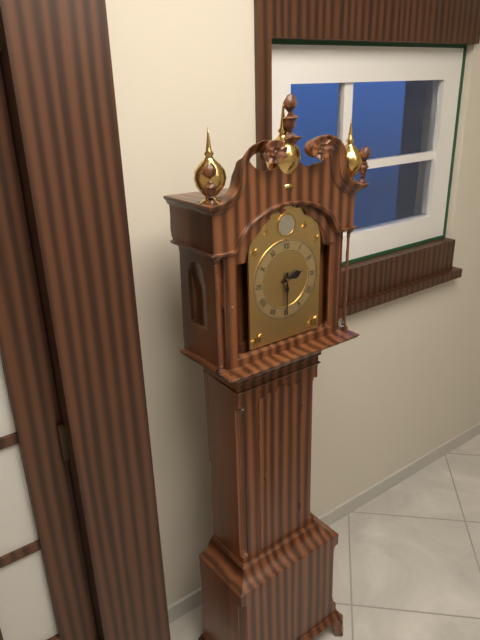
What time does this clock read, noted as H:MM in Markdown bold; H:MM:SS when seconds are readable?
**2:30**
